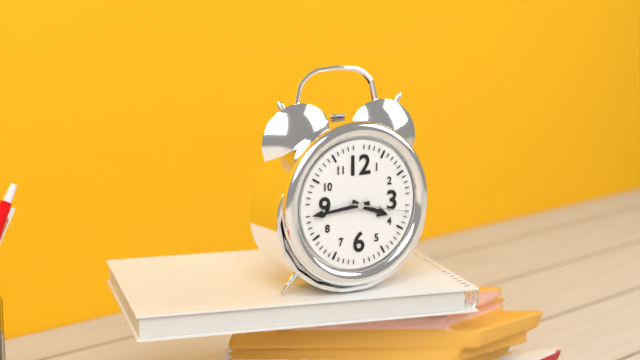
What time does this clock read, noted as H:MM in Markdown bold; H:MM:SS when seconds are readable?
**3:44:17**
